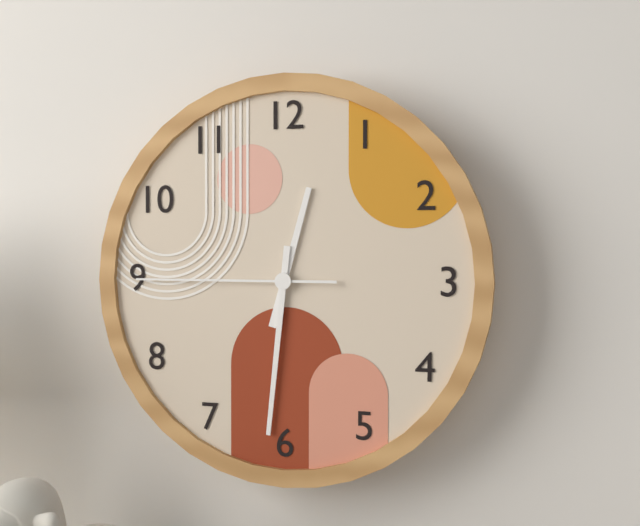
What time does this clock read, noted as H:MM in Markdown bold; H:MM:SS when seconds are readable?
**12:31:45**
